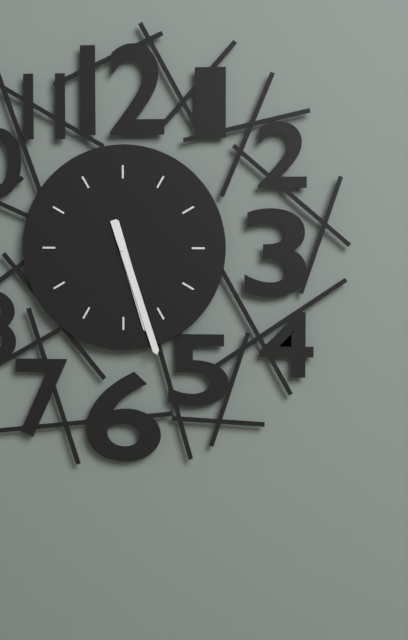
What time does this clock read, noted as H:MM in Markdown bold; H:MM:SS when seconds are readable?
**5:27**
